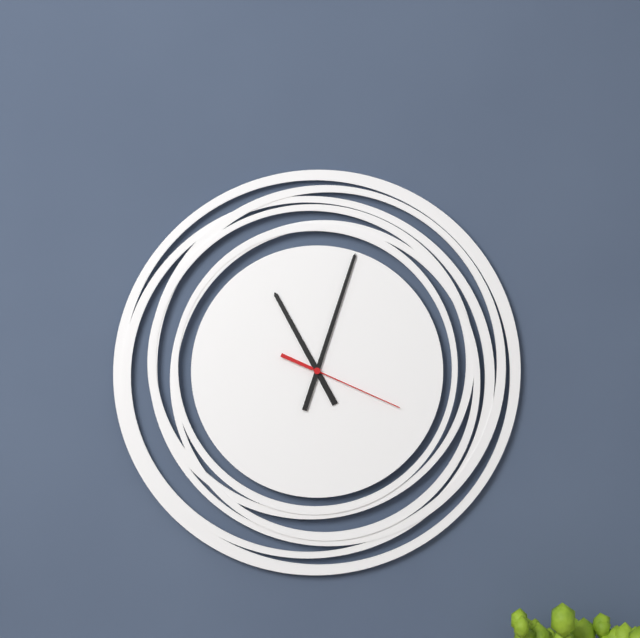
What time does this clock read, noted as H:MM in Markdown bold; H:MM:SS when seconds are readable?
**11:03:19**
